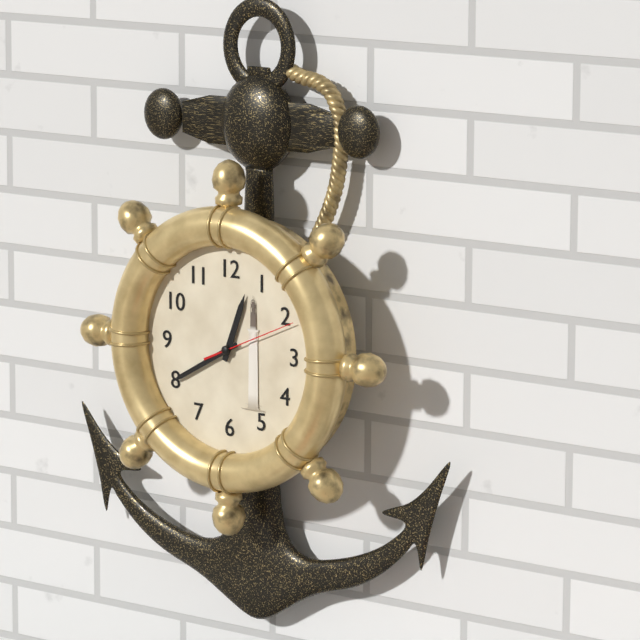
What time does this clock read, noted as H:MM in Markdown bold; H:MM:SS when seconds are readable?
**12:40:11**
